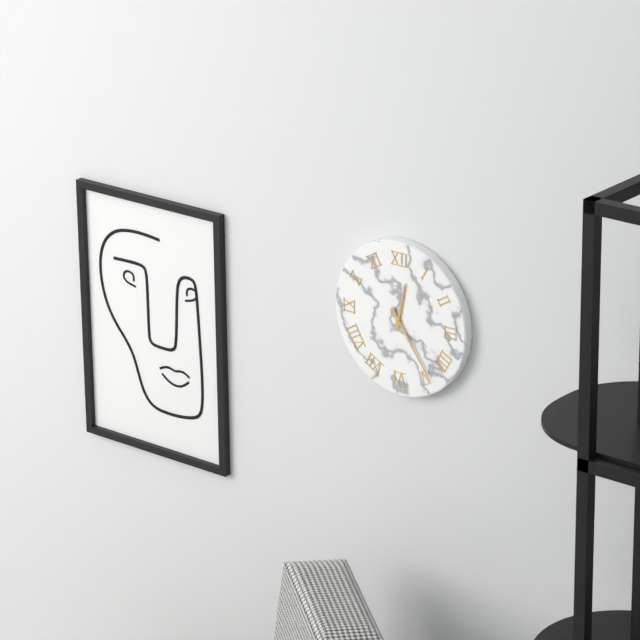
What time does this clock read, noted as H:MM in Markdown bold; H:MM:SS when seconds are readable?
**12:24**
